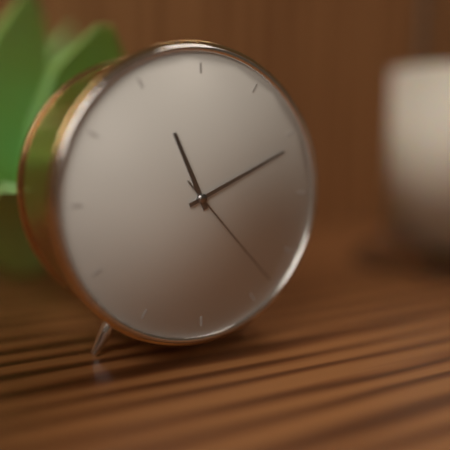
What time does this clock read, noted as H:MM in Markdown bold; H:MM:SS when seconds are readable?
**11:11:23**
